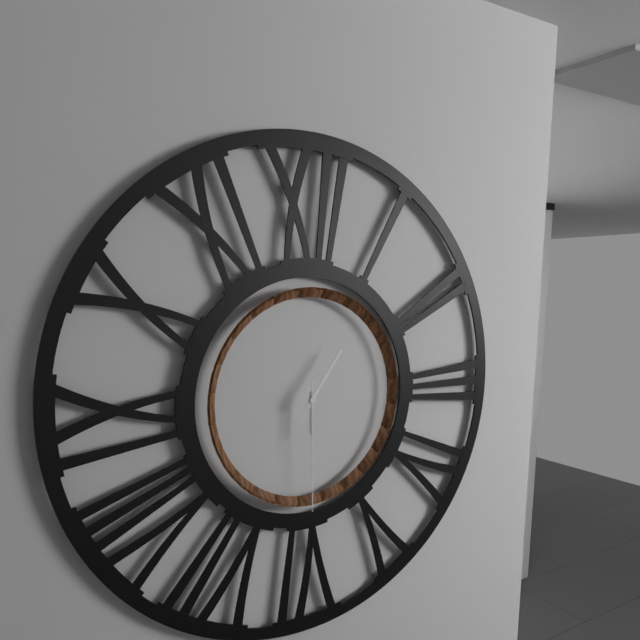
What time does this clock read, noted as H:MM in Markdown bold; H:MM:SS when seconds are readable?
**6:06:30**
